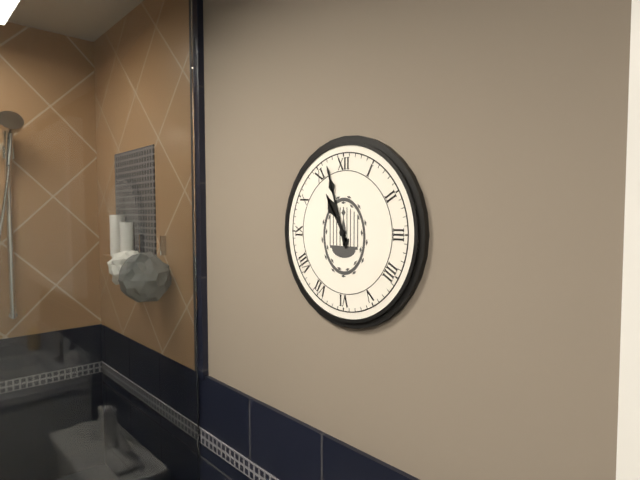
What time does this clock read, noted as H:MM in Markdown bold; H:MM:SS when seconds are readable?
**10:57**
